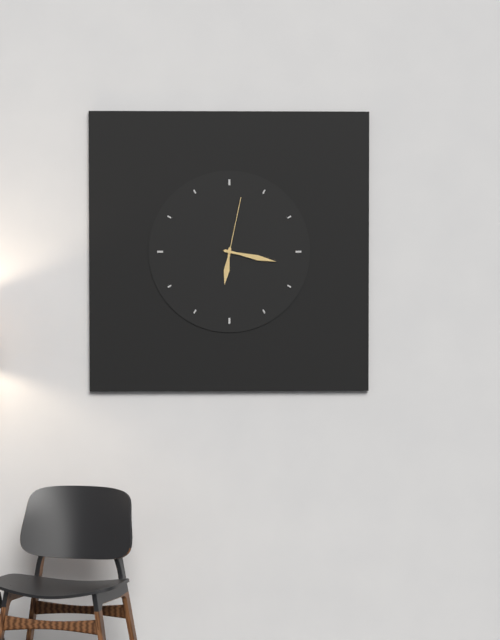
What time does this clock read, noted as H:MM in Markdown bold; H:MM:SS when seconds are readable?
**6:17:02**
